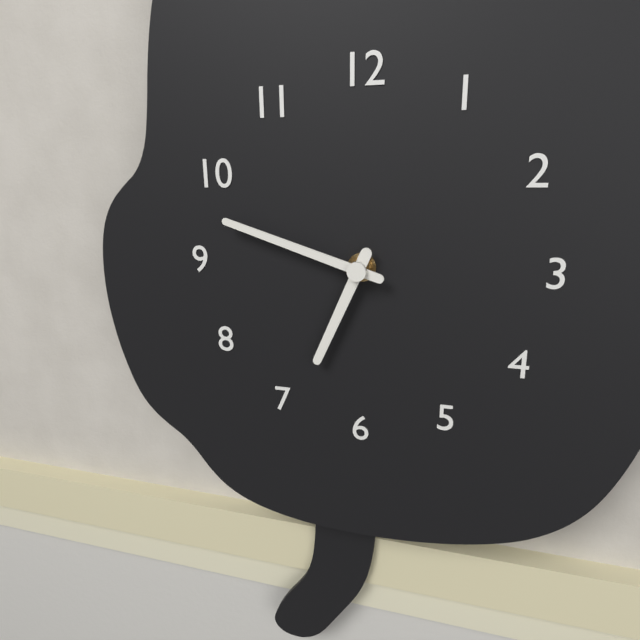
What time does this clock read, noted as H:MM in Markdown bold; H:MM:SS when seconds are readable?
**6:48**
